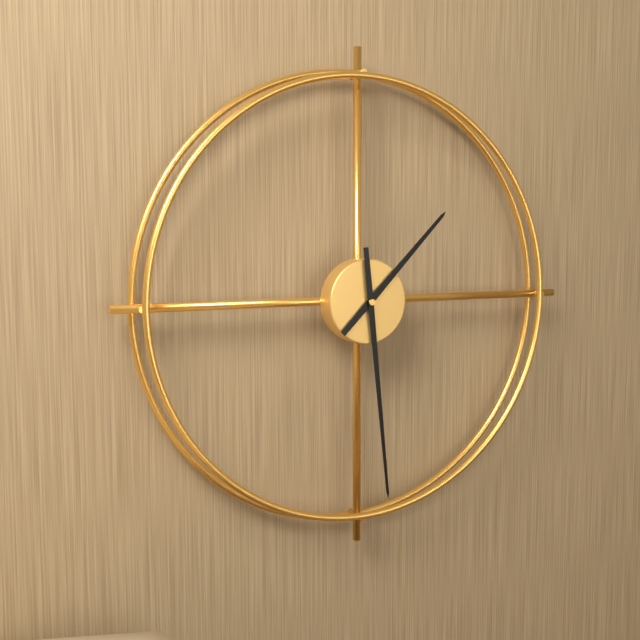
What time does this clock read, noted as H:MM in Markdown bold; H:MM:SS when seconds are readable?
**1:29**
